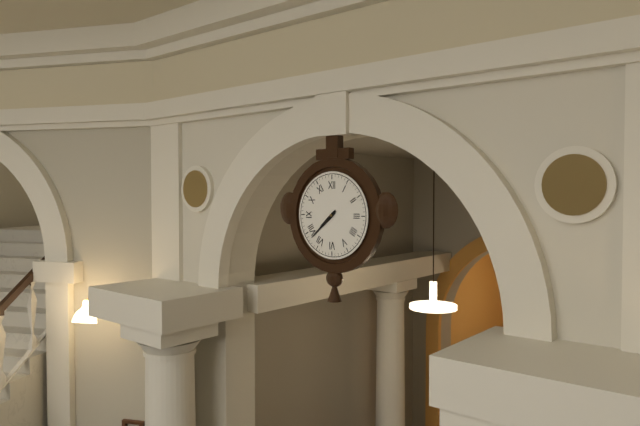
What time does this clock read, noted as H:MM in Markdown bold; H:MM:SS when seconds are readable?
**7:38**
